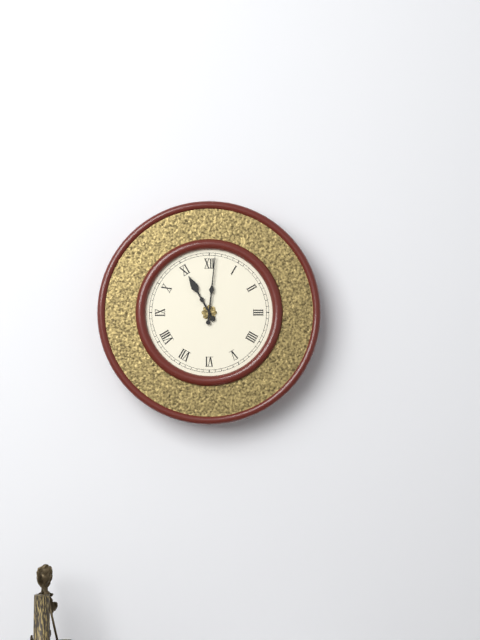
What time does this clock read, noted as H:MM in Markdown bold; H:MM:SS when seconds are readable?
**11:01**
